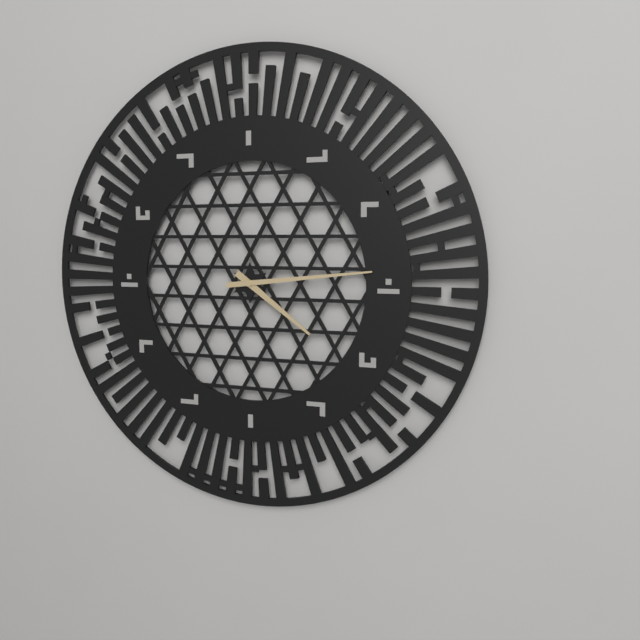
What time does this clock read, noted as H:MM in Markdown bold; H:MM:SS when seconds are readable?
**4:14**
